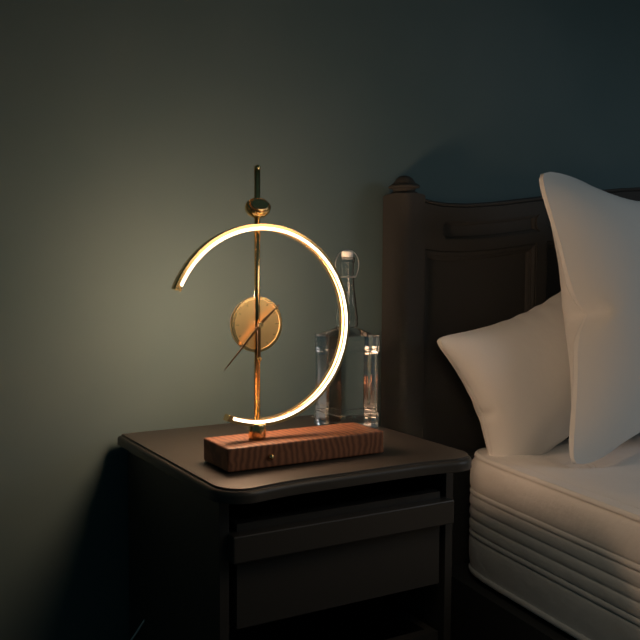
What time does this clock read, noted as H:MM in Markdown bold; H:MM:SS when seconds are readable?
**1:37**
